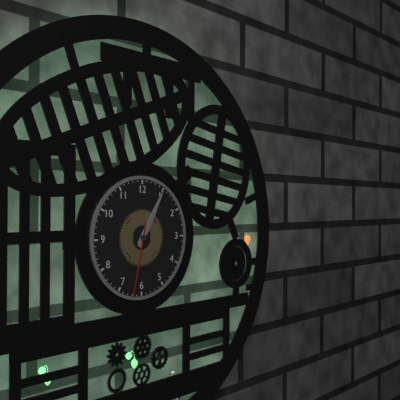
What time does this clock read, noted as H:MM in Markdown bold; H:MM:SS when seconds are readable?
**1:05:32**
